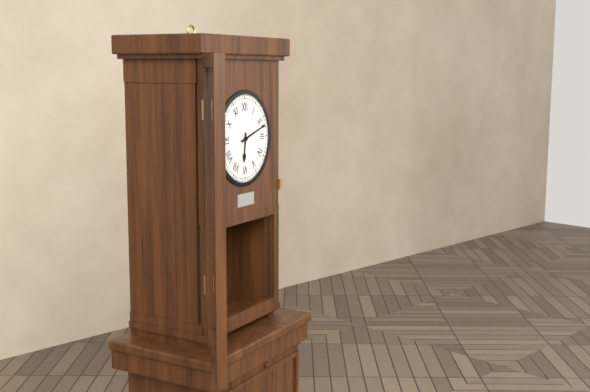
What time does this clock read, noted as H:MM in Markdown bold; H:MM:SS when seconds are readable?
**6:12**
